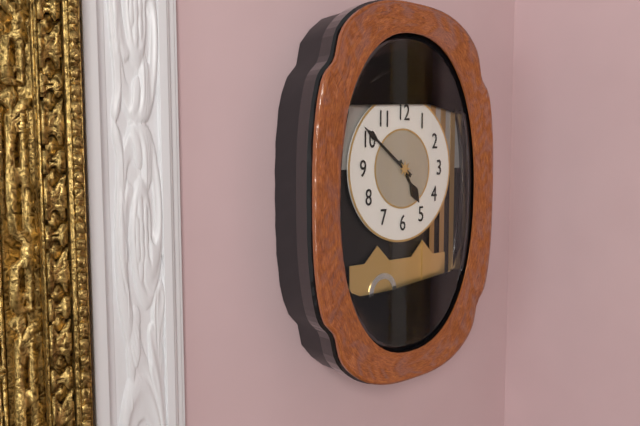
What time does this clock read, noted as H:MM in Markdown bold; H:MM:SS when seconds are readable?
**4:51**
